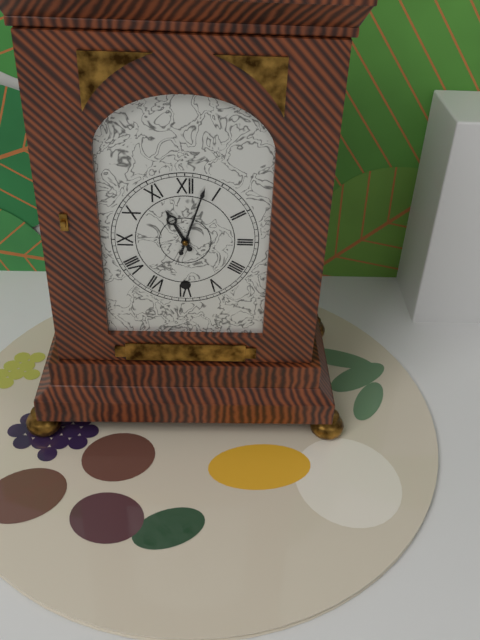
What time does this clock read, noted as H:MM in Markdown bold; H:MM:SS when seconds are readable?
**11:03**
